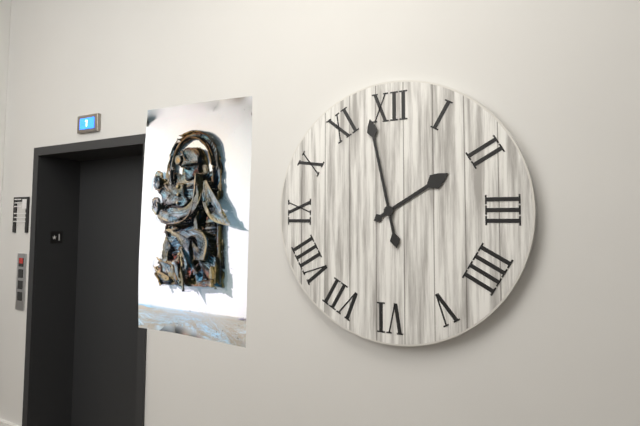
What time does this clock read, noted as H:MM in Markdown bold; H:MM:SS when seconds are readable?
**1:58**
